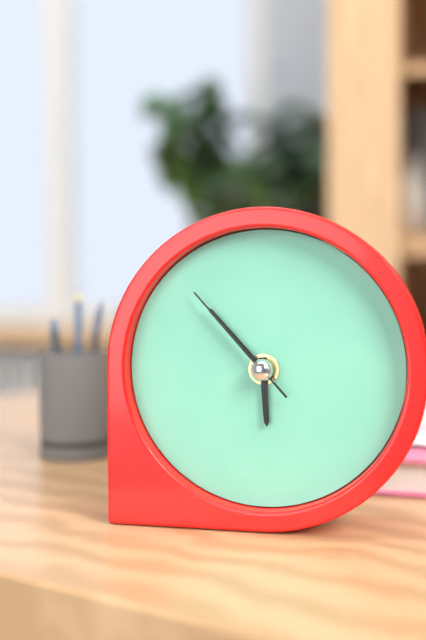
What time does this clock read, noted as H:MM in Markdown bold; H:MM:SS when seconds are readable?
**5:53:53**
